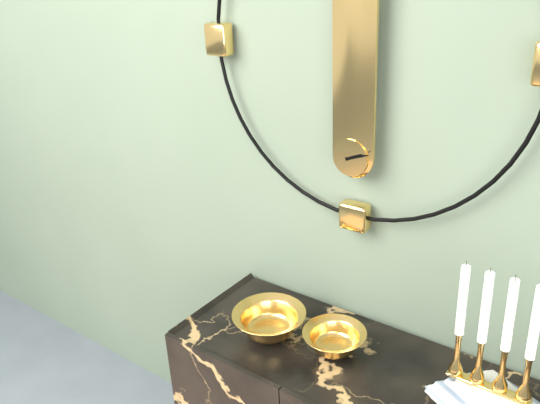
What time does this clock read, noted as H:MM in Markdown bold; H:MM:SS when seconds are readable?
**2:12**
